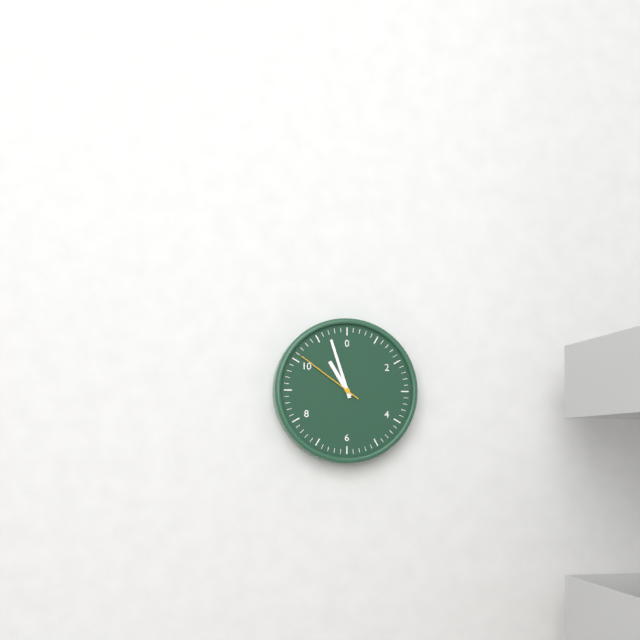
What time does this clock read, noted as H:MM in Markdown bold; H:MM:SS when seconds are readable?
**10:57:51**
